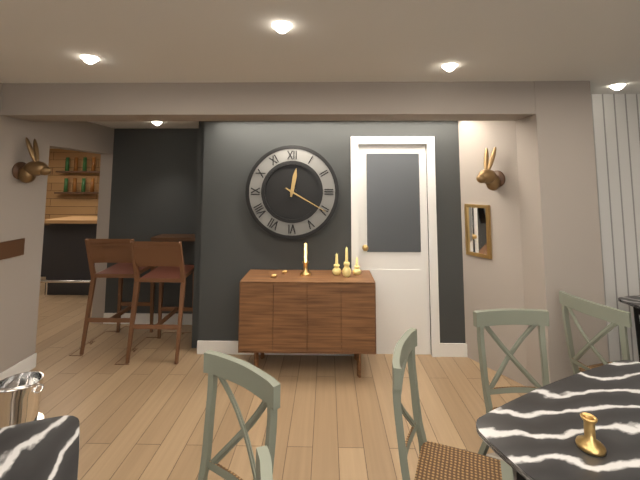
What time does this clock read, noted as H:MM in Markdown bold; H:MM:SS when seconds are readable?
**12:20**
